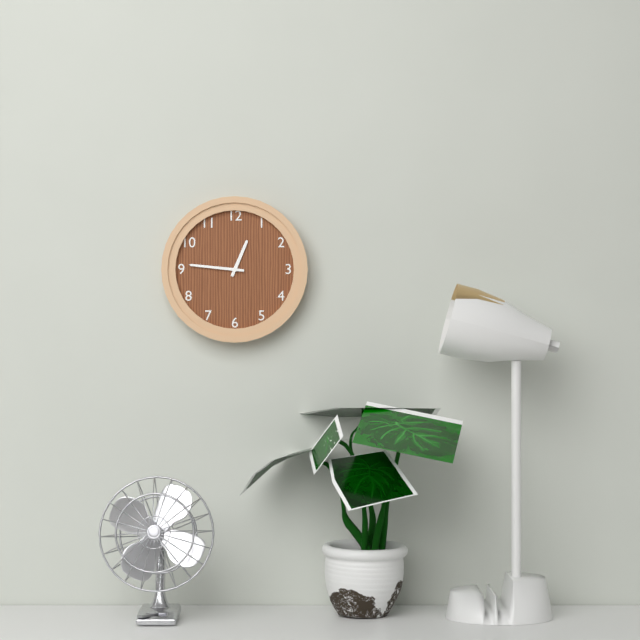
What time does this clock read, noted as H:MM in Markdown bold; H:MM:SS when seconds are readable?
**12:46**
